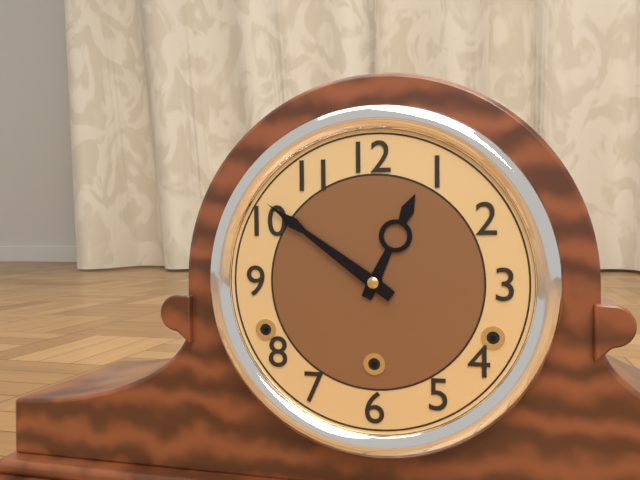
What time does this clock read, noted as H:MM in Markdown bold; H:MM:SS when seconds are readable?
**12:51**
